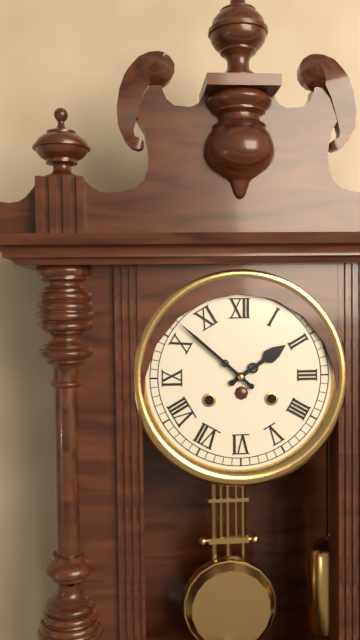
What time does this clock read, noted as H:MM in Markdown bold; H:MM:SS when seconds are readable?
**1:52**
